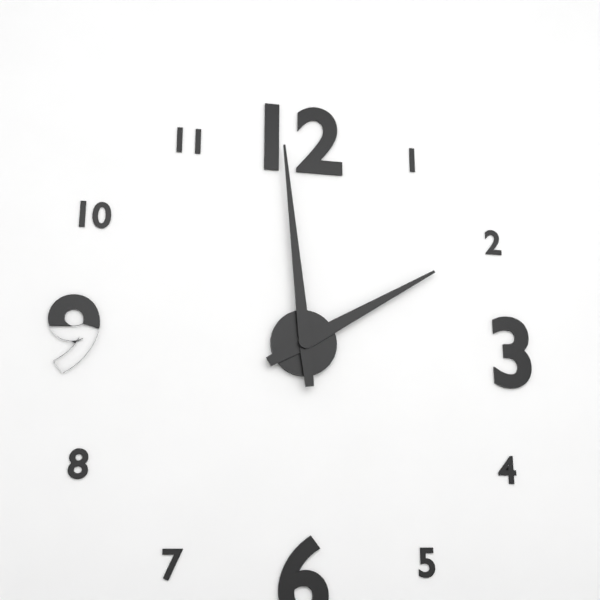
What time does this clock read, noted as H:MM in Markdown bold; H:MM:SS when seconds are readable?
**1:59**
